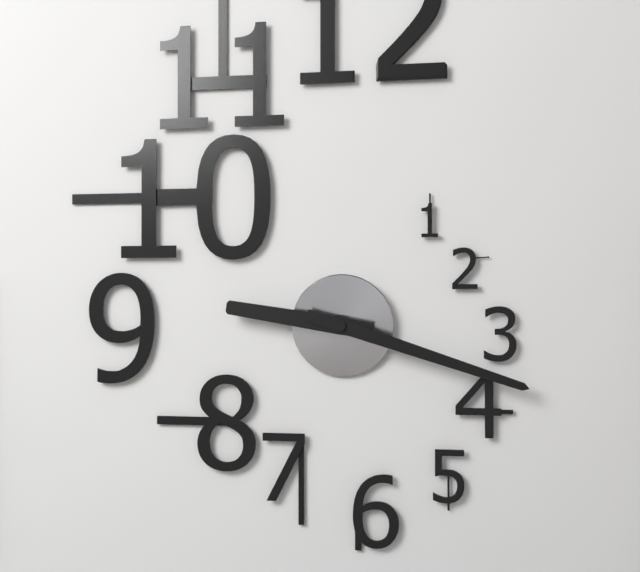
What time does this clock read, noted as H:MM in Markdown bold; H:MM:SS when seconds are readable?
**9:18**
